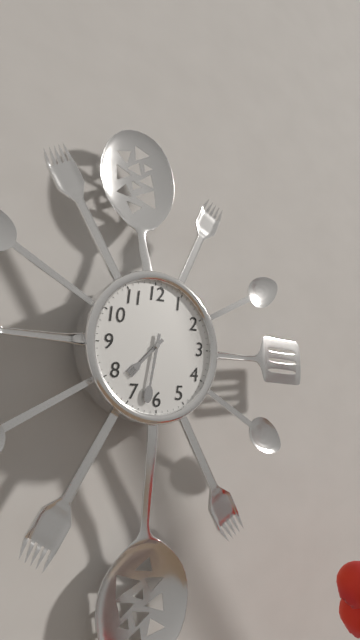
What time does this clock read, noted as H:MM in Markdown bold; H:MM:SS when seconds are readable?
**7:32**
